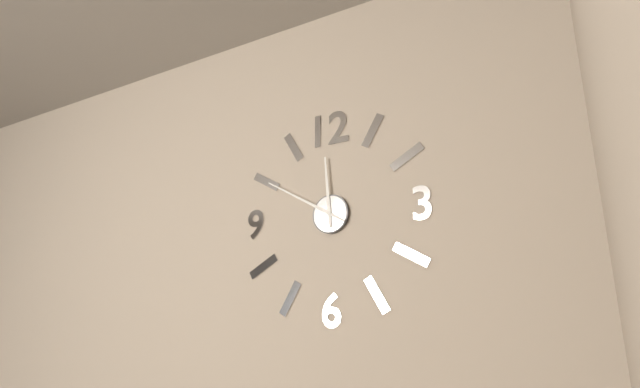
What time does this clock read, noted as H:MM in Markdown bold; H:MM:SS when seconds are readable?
**11:50**
